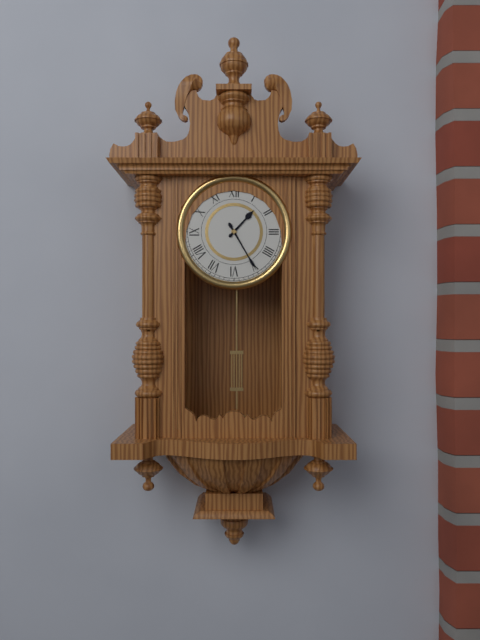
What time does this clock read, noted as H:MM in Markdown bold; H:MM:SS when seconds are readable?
**1:25**
